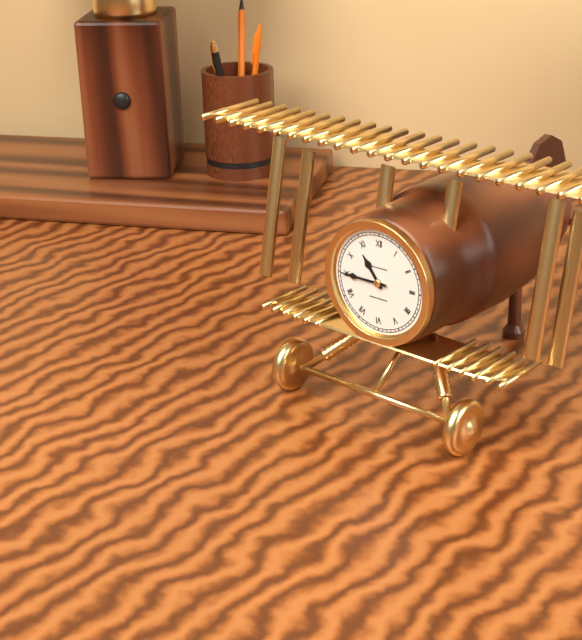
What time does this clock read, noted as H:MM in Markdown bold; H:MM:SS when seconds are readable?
**10:45**
